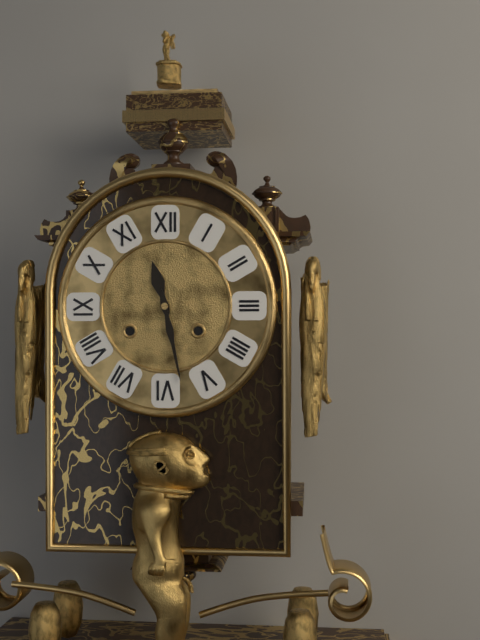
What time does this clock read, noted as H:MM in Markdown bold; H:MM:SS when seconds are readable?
**11:28**
